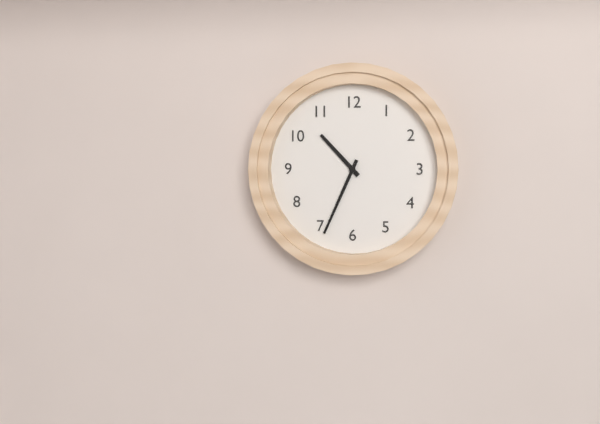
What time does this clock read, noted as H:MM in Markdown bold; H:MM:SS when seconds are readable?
**10:34**
